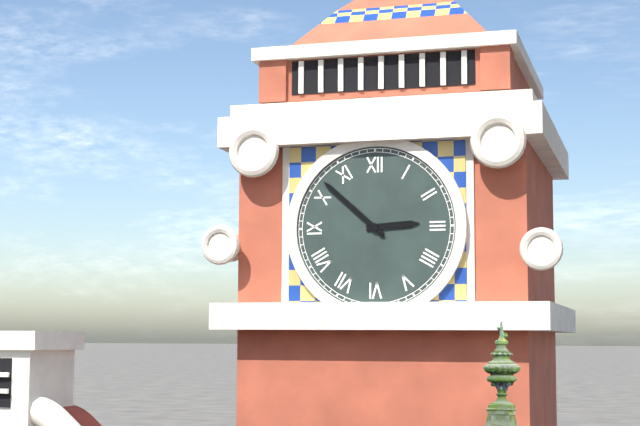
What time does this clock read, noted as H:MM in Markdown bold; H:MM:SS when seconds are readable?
**2:52**
